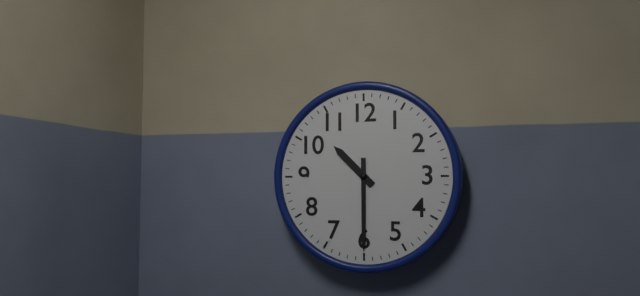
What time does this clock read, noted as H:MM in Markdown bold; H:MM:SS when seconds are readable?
**10:30**
